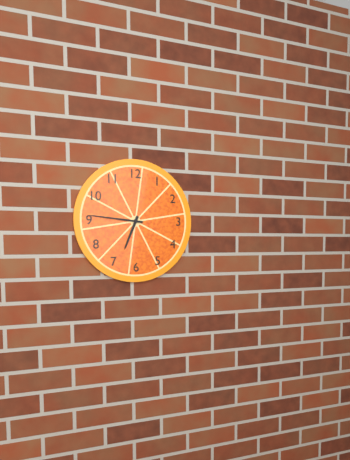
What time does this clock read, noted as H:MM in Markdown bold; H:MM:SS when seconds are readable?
**6:46**
